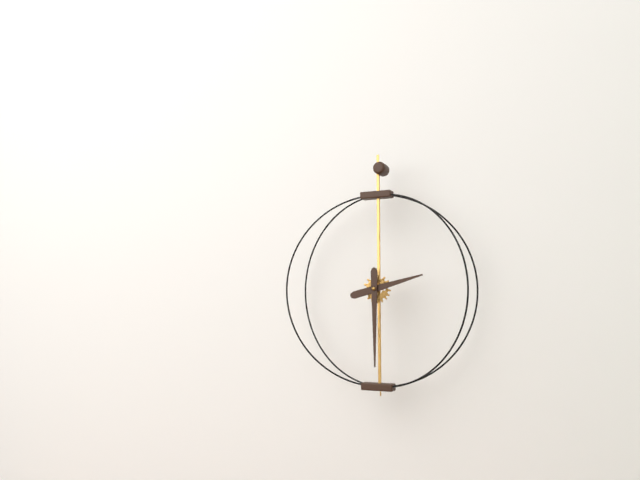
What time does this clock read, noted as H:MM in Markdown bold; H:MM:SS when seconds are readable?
**2:30**
